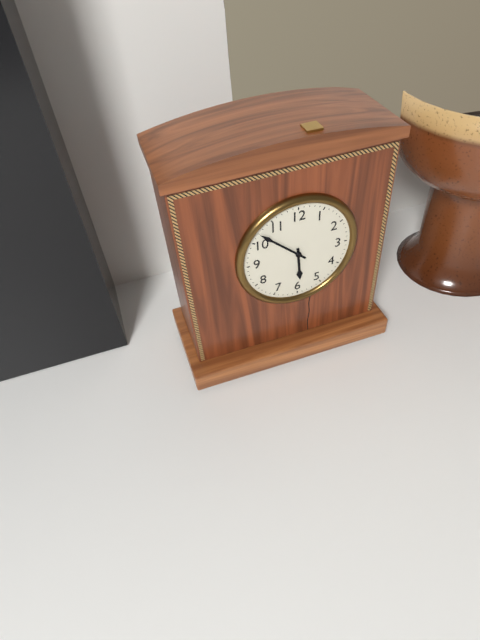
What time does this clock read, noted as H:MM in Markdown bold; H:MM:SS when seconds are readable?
**5:52**
